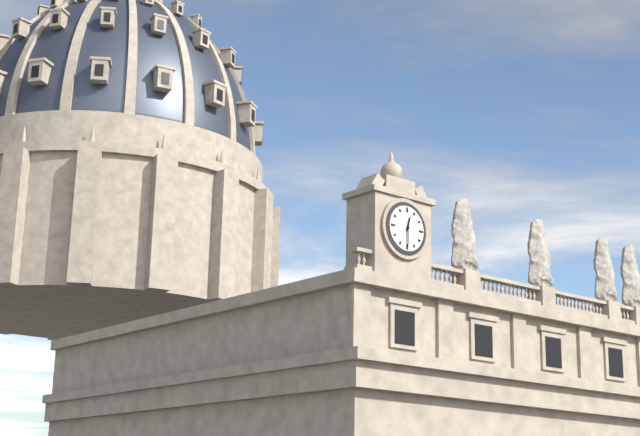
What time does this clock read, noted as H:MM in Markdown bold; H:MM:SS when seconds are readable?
**12:30**
